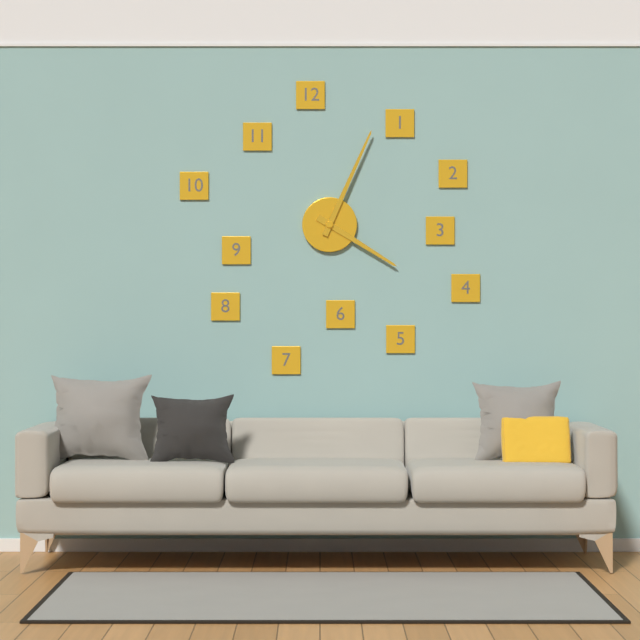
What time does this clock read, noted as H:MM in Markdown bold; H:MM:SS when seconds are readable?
**4:04**
